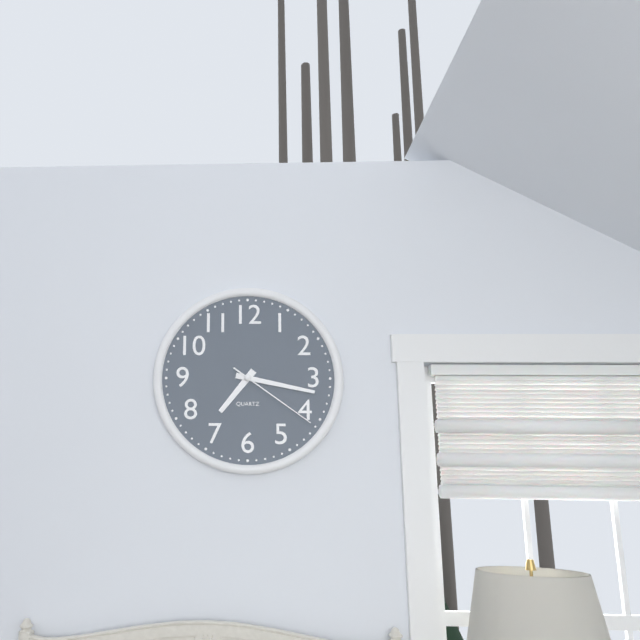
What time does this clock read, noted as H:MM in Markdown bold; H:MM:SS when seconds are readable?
**7:17:21**
